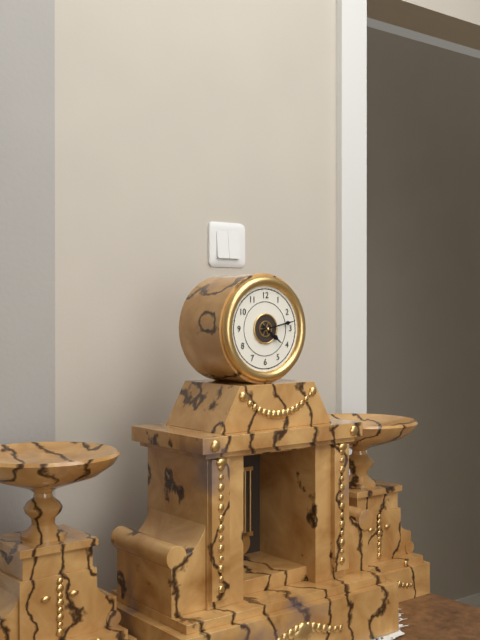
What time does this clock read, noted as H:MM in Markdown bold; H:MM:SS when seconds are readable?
**4:13**
